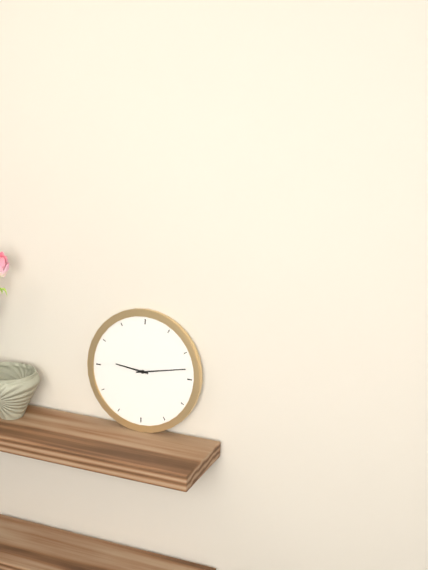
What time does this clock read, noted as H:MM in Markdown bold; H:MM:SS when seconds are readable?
**9:13**
